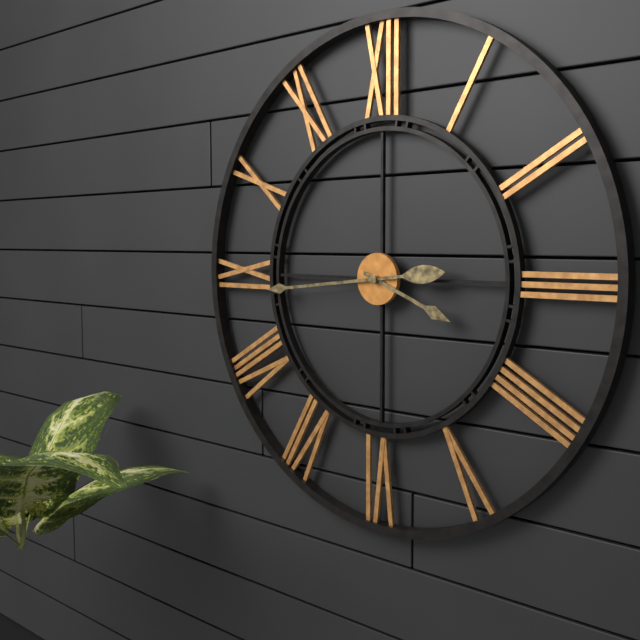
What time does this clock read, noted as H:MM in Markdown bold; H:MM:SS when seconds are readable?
**3:44**
